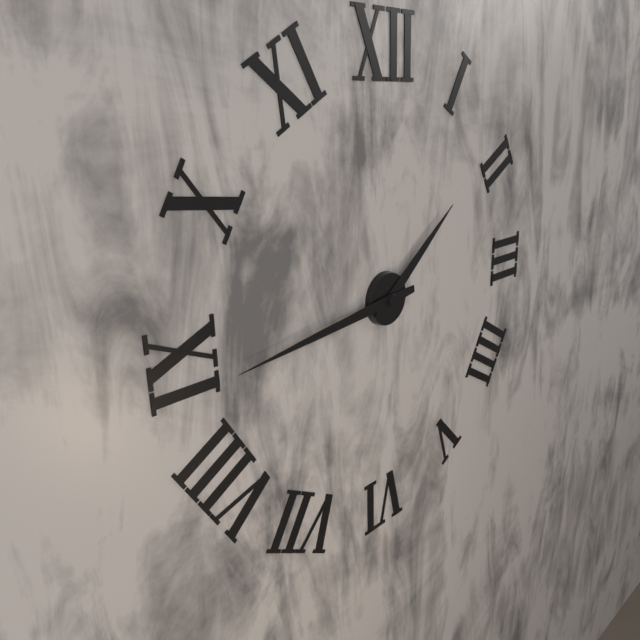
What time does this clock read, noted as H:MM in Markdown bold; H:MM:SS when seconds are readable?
**1:44**
